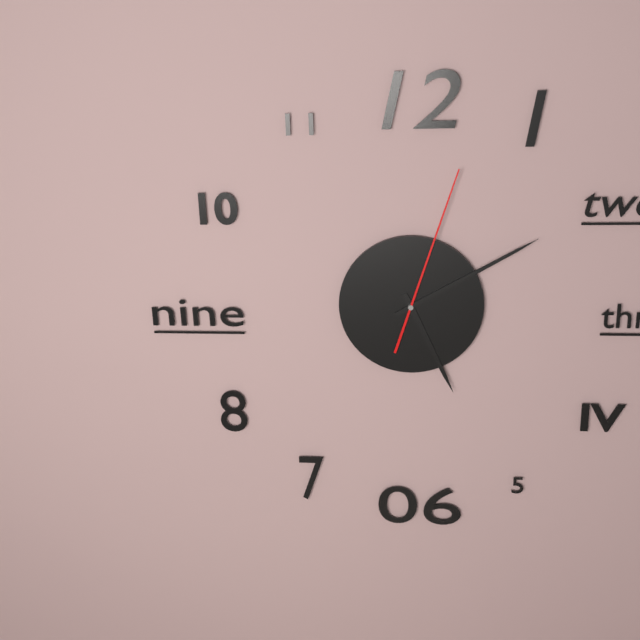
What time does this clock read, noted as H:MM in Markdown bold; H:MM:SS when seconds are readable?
**5:10:03**
